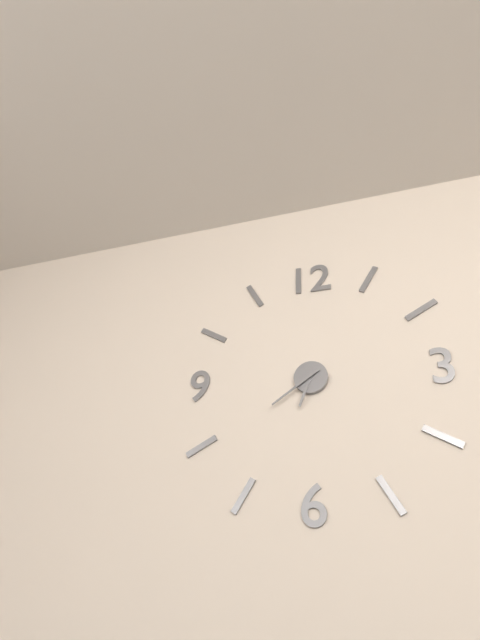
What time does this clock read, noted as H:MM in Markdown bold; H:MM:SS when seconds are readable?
**6:39**
